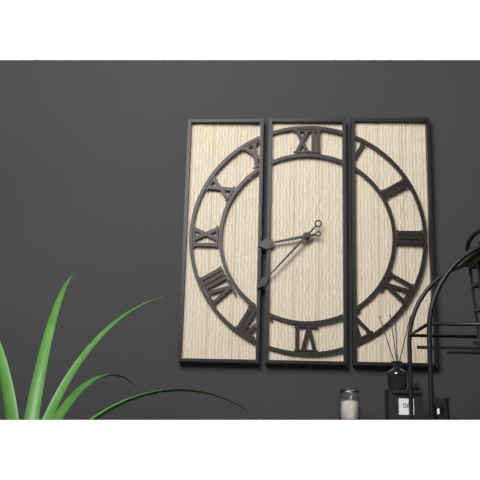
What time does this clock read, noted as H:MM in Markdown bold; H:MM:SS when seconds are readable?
**8:37**
